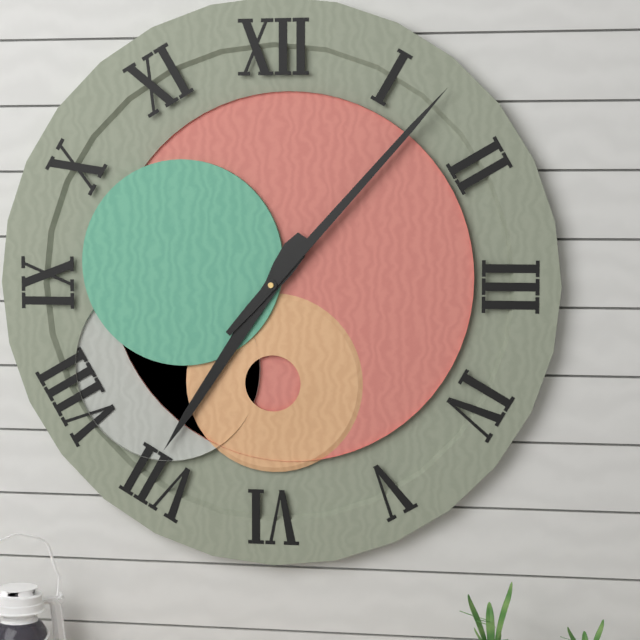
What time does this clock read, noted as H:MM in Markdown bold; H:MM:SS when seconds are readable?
**7:07**
